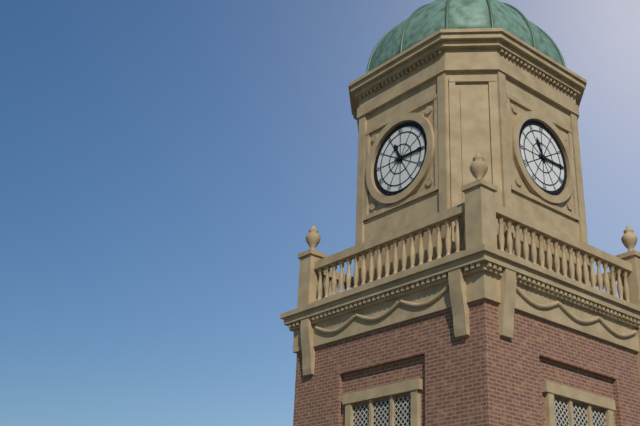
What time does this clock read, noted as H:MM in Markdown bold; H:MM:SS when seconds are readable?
**11:15**
